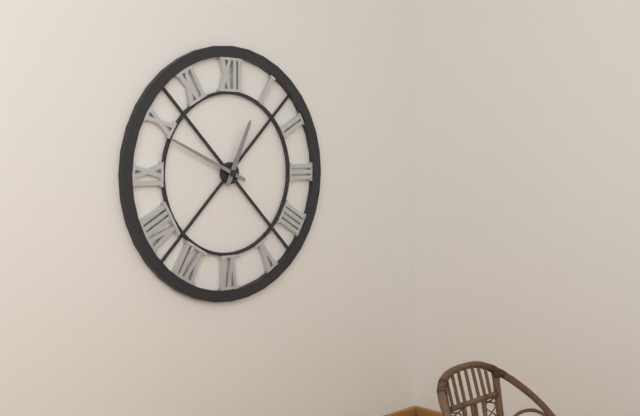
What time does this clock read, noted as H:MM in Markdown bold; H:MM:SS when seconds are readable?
**12:49**
